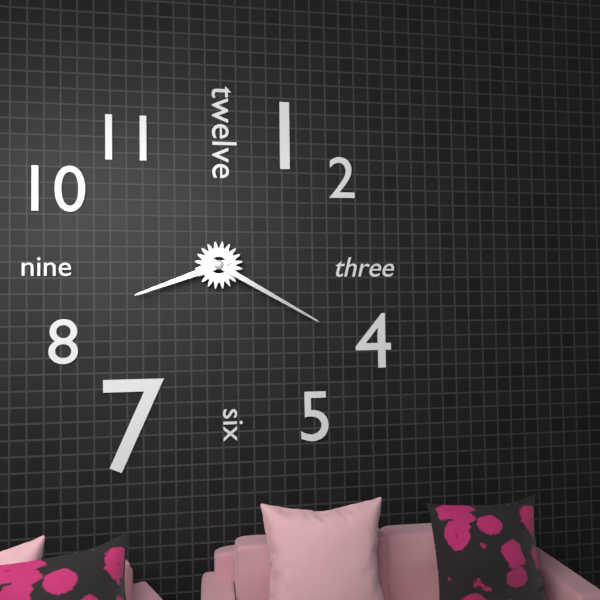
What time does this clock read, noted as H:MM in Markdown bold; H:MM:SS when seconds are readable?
**8:20**
